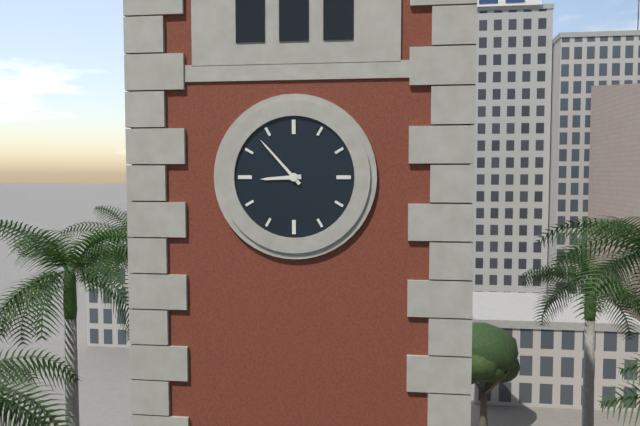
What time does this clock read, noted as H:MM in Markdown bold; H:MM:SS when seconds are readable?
**8:53**
